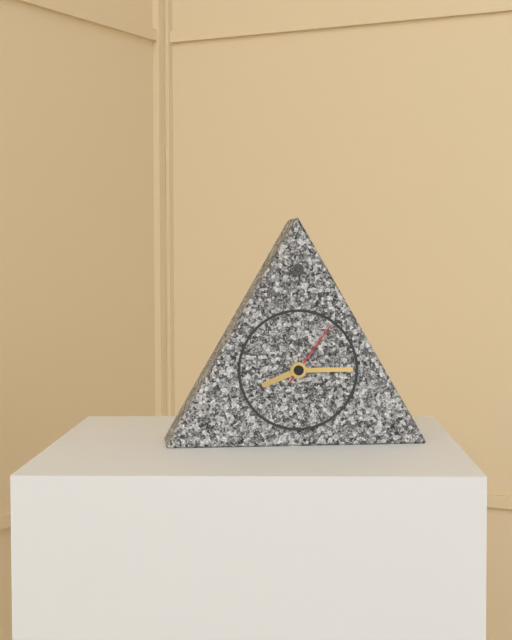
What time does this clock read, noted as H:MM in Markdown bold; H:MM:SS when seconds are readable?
**8:15:06**
